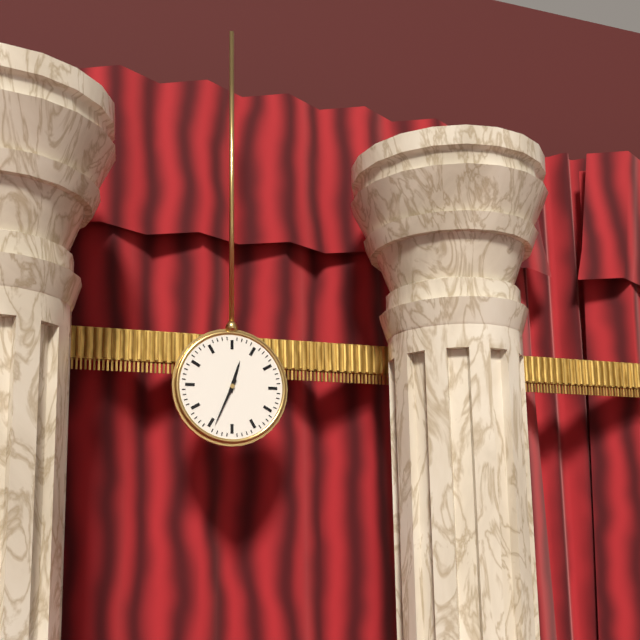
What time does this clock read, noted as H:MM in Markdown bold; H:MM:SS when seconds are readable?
**12:34**
